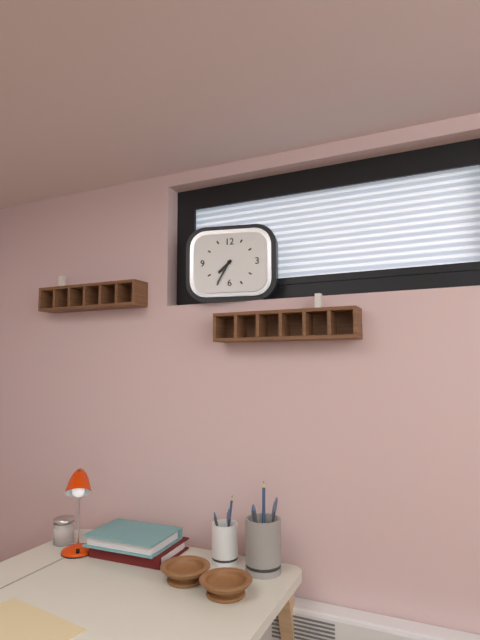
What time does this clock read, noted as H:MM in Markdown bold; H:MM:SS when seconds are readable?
**7:35**
